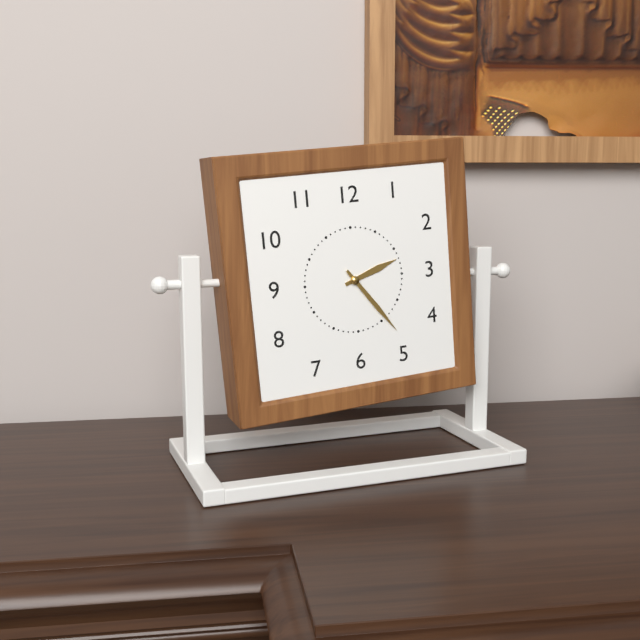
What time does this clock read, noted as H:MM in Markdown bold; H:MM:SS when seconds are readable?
**2:24**
